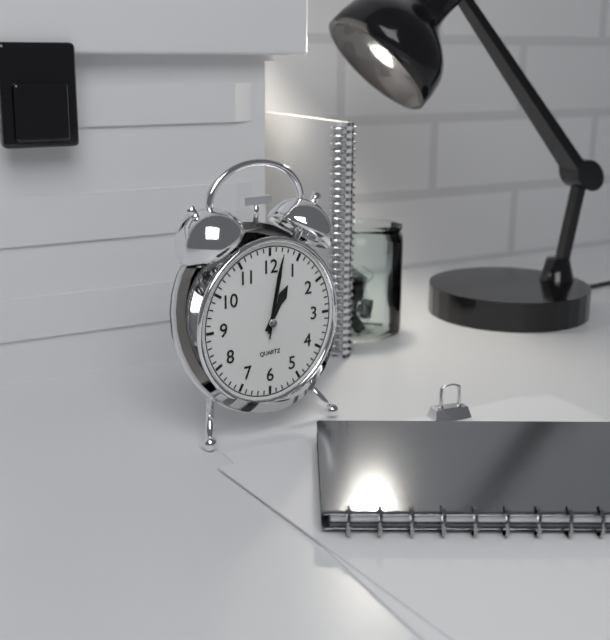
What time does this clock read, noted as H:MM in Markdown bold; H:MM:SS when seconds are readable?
**1:02:02**
